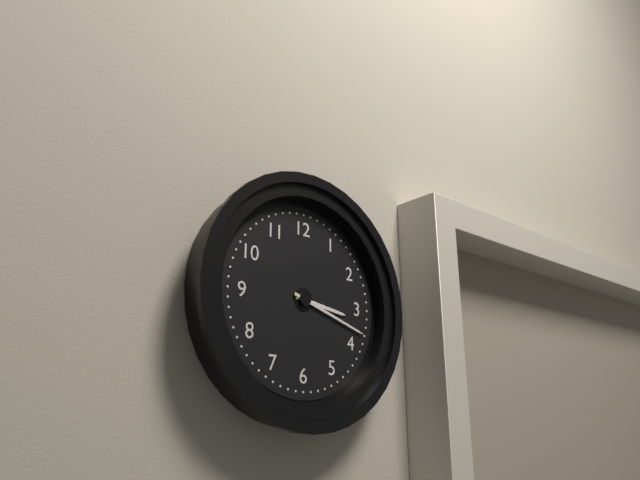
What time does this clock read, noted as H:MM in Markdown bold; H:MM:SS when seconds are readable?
**3:18**
